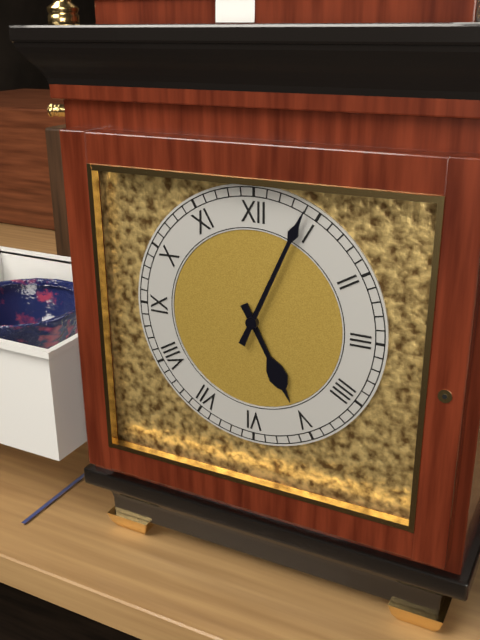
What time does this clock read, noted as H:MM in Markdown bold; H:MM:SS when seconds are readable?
**5:04**
